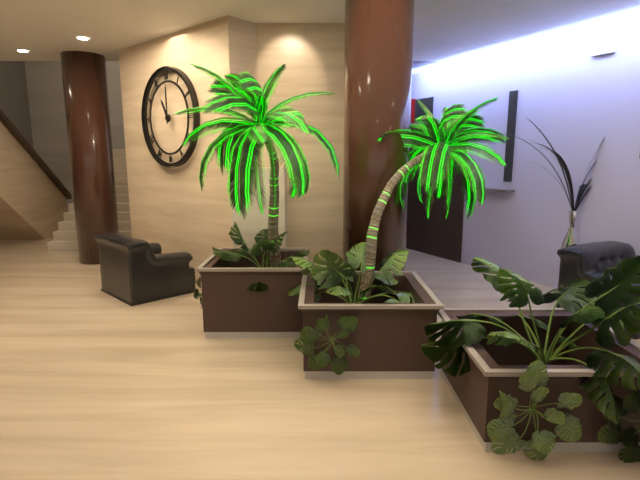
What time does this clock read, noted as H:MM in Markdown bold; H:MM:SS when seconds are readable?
**11:00**
